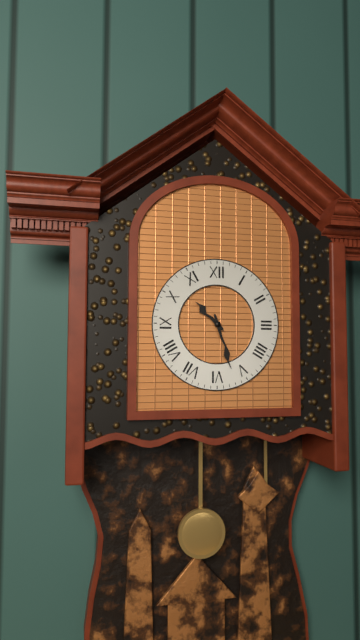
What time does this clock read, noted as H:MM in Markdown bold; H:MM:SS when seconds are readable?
**10:27**
